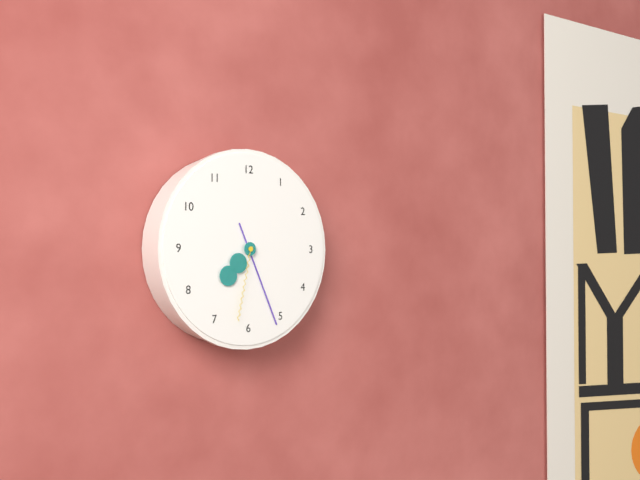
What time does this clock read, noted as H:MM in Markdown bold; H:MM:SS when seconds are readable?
**7:26:32**
